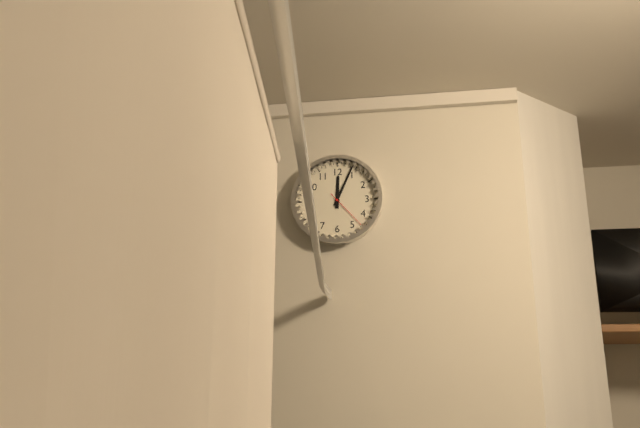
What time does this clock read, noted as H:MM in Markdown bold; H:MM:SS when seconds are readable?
**12:04**
